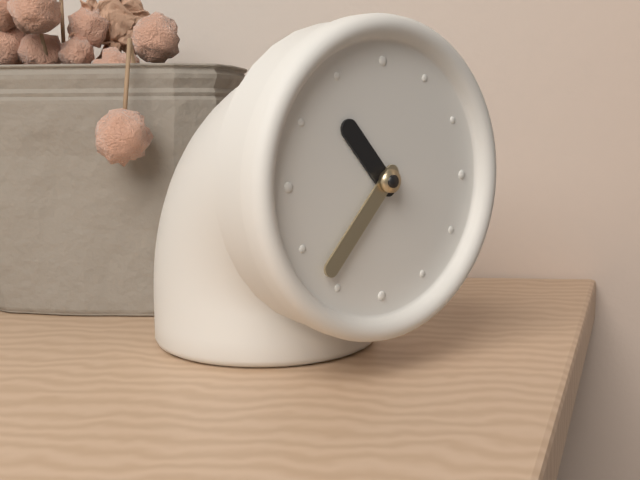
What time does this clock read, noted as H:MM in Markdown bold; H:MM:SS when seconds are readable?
**10:37**
